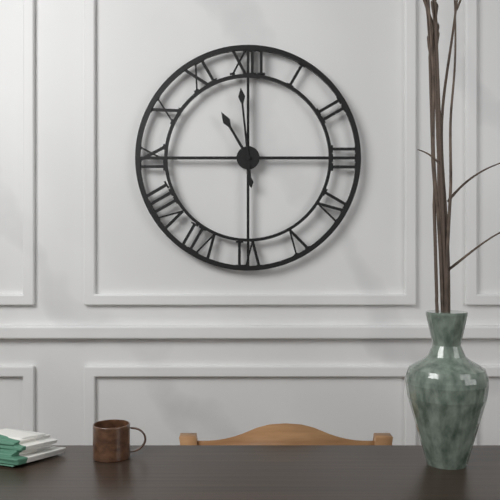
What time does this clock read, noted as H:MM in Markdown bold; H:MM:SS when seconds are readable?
**10:59**
